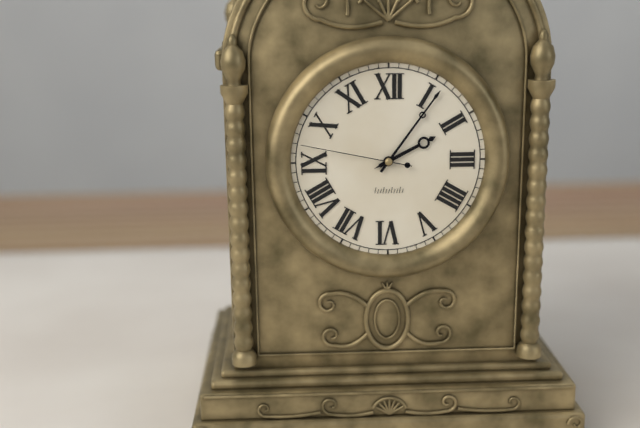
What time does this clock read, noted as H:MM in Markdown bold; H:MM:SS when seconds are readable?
**2:06:47**
